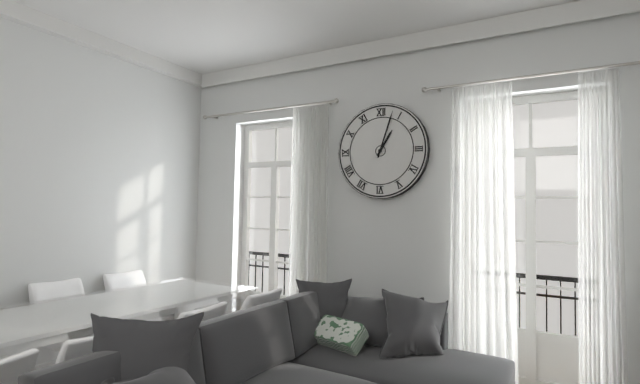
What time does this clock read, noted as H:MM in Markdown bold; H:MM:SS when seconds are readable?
**1:03**
